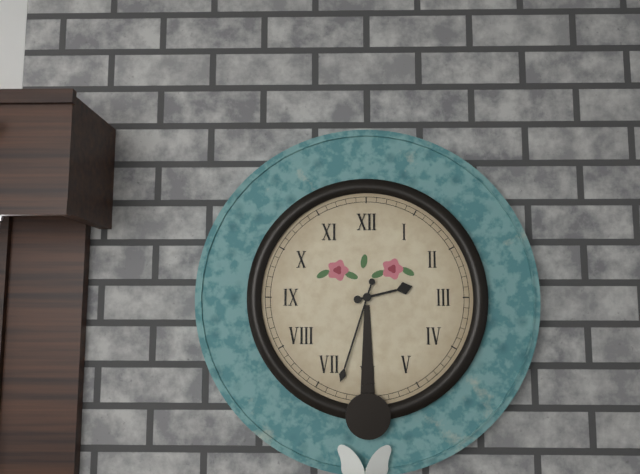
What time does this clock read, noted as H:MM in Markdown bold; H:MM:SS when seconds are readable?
**2:33**
